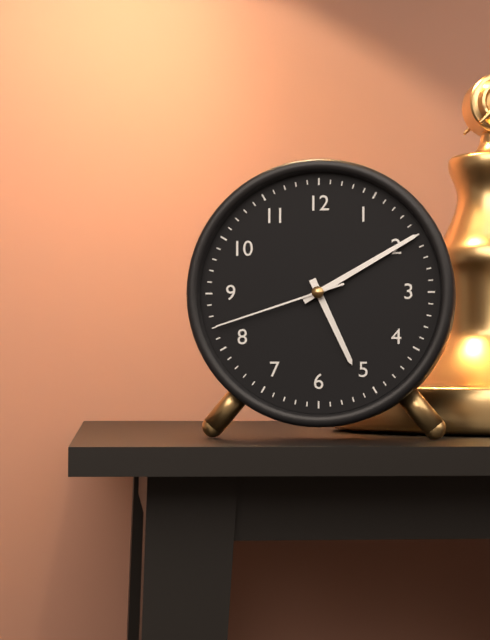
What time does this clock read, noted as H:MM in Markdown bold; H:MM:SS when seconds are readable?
**5:10:42**
